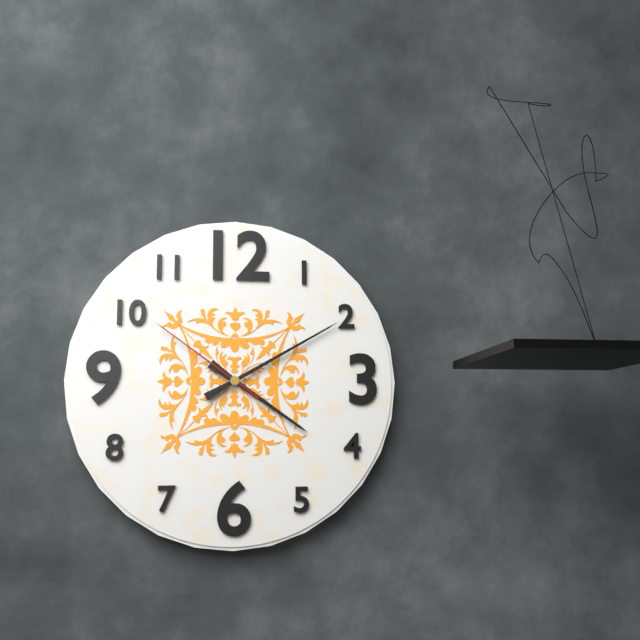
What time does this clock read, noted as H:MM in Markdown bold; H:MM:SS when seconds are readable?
**4:10:51**
